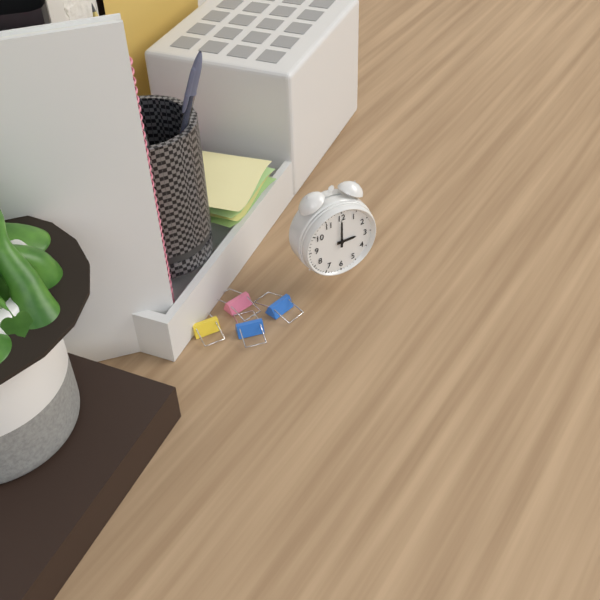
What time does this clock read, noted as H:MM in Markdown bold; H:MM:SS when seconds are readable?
**3:00**
